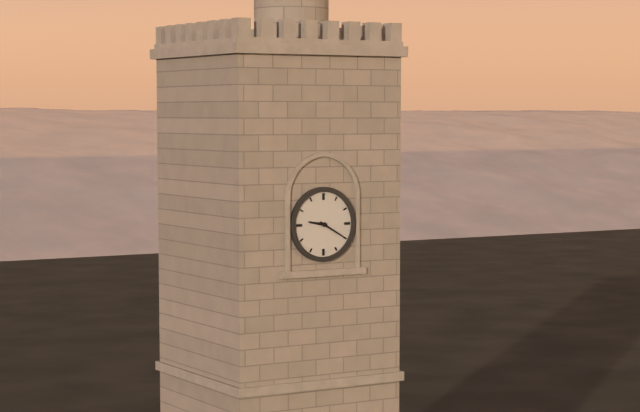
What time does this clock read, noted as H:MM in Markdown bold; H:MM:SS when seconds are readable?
**9:20**
